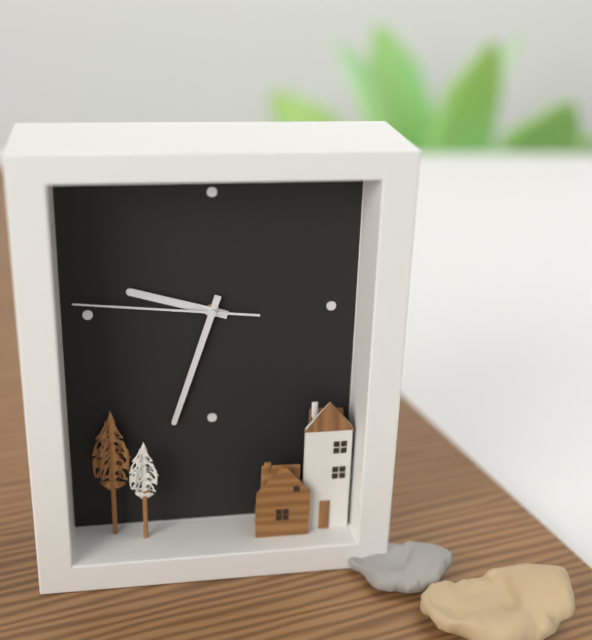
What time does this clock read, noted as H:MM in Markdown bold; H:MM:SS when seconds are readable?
**9:33:46**
